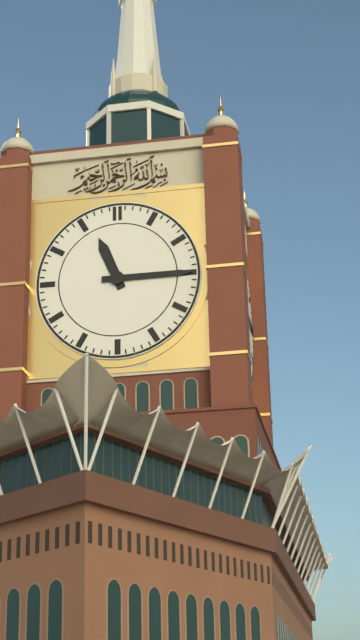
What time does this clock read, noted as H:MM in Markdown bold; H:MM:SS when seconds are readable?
**11:15**
